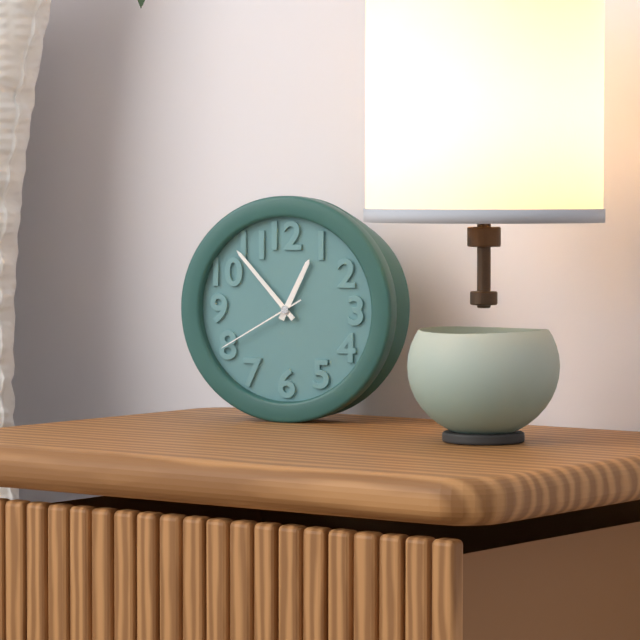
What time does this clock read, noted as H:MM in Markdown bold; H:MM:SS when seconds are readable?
**12:53:40**
